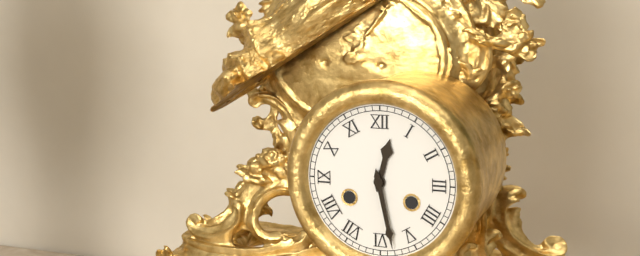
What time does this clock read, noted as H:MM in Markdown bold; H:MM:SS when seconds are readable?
**12:28**
